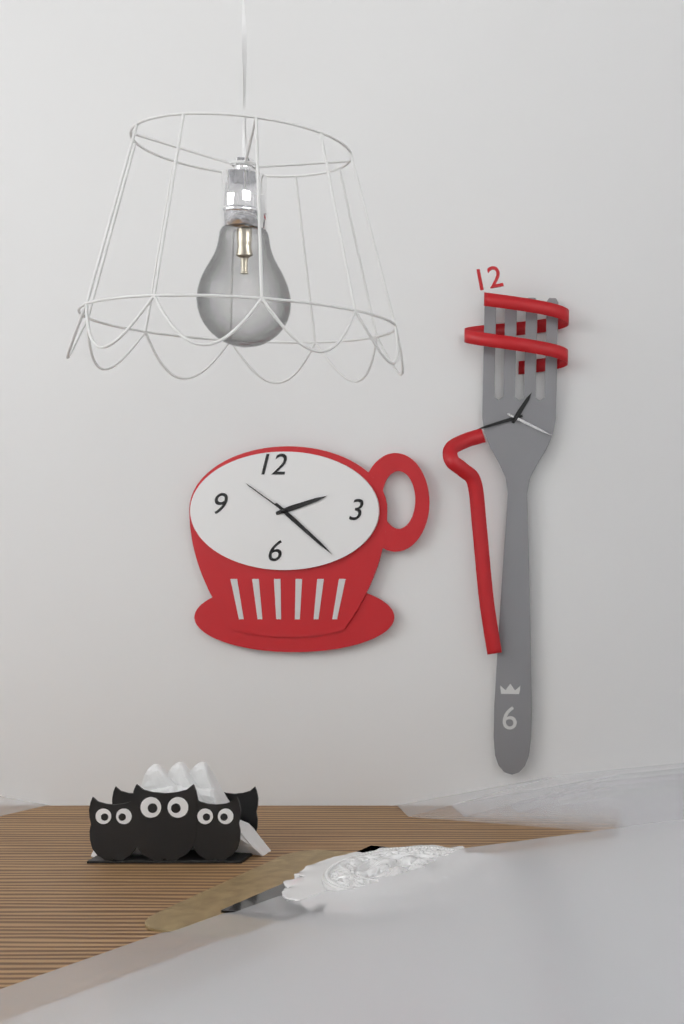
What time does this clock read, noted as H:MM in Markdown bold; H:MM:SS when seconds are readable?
**2:22:51**
